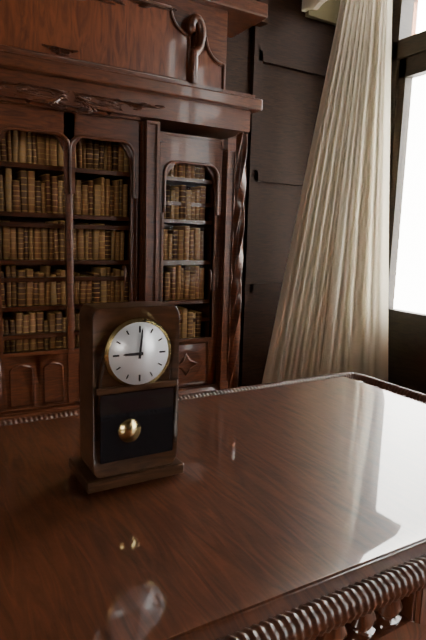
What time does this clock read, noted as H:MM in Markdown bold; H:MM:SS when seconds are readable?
**9:01**
